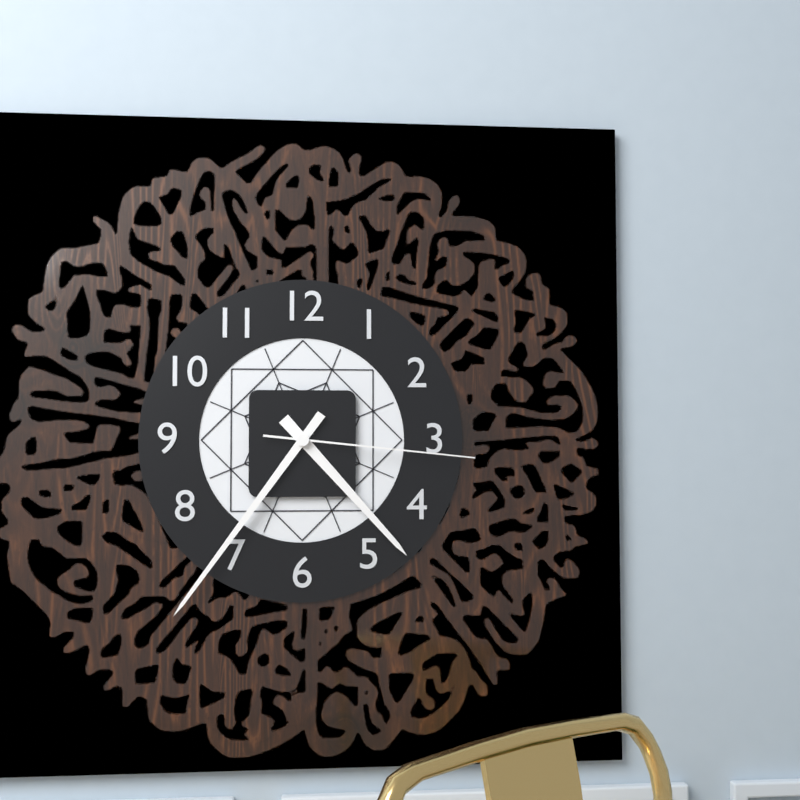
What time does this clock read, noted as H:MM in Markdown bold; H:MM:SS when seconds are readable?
**4:36:16**
